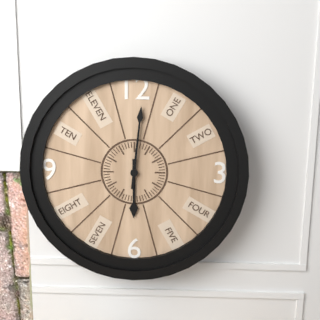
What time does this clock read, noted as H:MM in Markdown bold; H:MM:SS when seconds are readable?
**6:01**
